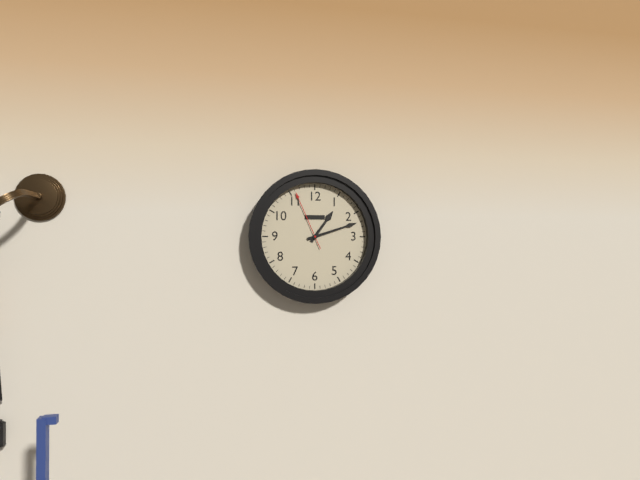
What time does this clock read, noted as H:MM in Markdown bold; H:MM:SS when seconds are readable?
**1:12:56**
